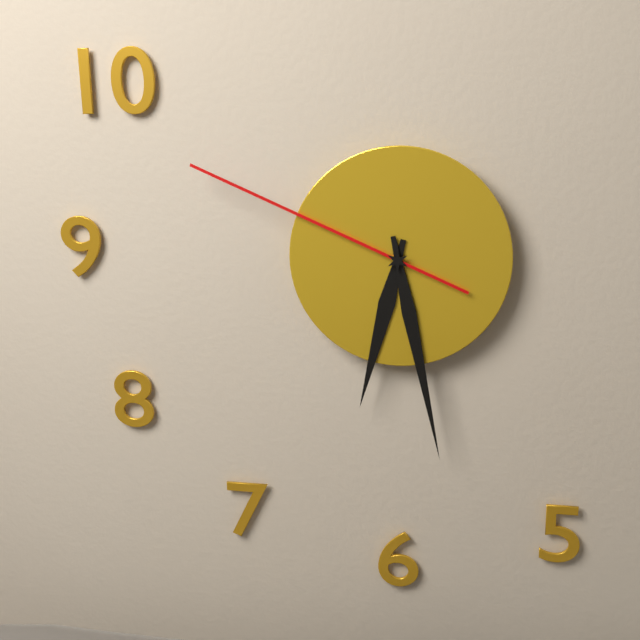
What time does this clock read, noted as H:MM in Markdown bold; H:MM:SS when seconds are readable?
**6:28:49**
